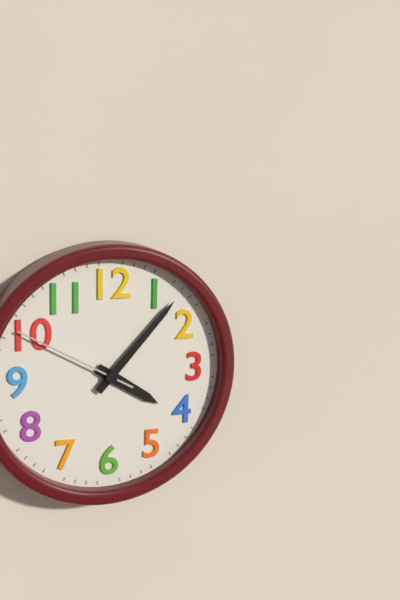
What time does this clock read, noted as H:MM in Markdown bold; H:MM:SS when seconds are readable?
**4:07:50**
